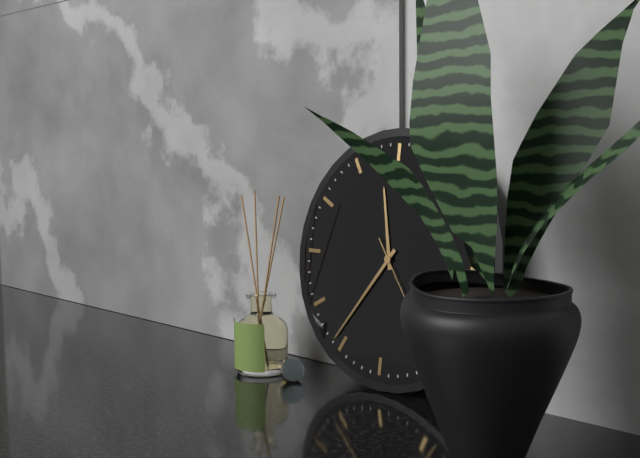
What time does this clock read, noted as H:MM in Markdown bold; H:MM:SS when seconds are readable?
**11:36**
